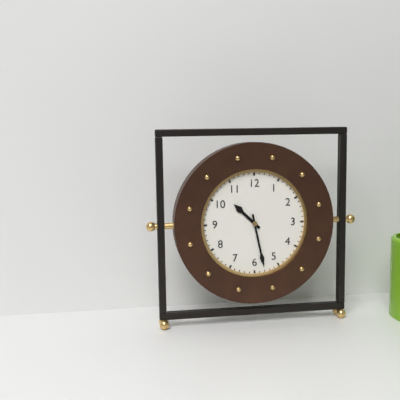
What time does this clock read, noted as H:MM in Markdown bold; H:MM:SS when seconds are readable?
**10:28**
